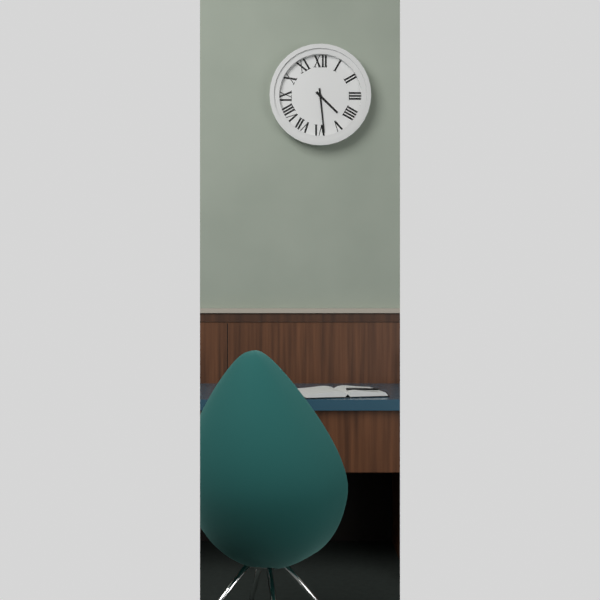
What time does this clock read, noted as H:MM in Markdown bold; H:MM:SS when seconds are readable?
**4:29**
